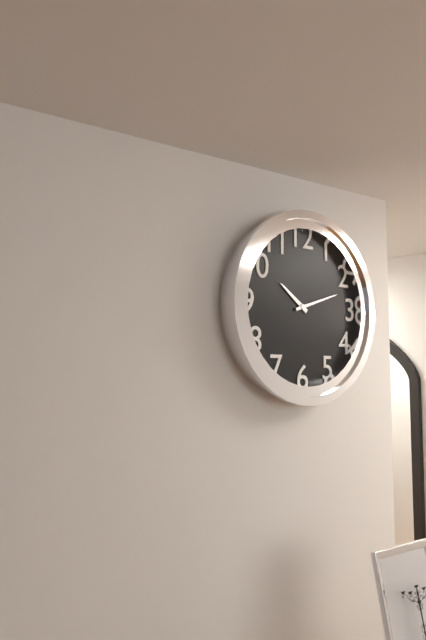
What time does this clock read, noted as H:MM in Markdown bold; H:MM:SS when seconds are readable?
**10:12**
